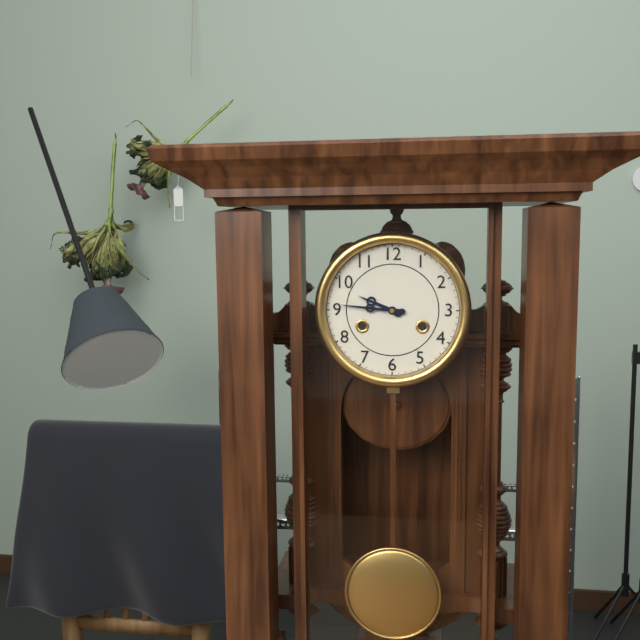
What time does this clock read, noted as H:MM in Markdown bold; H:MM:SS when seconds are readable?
**9:46**
